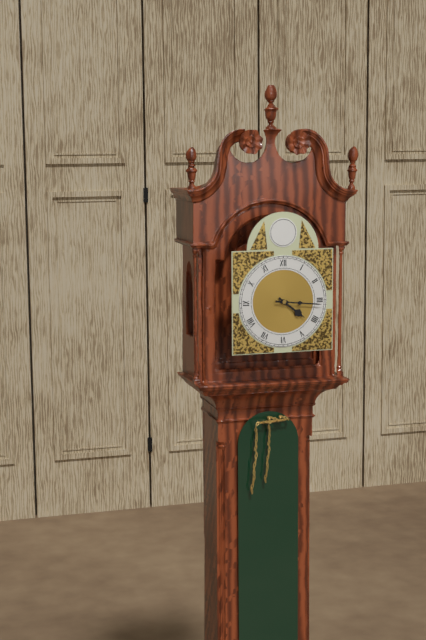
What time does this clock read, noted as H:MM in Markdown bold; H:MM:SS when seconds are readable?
**4:16**
